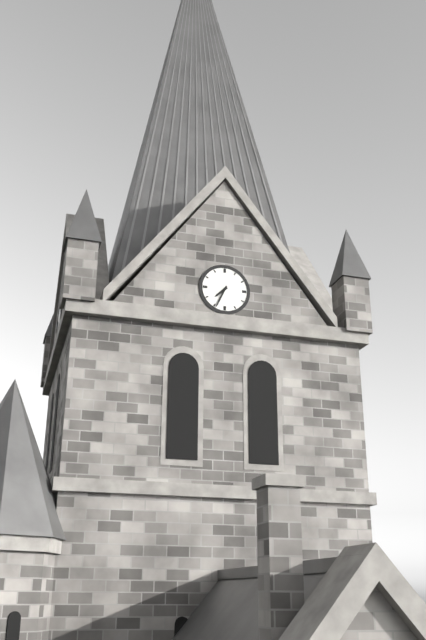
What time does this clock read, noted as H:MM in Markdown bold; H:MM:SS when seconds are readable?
**7:34**
